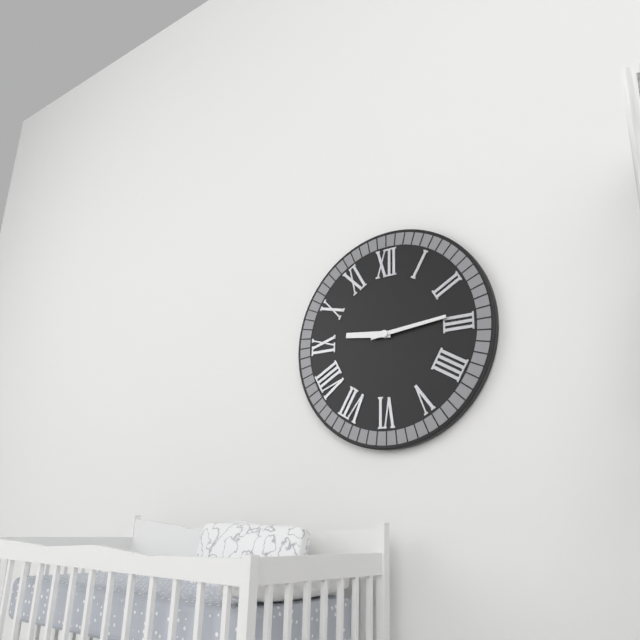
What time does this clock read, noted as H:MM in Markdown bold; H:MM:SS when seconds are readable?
**9:14**
